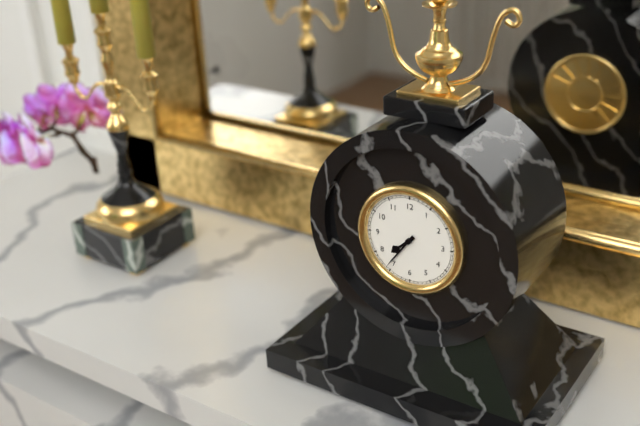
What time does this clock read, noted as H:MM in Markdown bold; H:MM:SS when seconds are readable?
**7:36**
